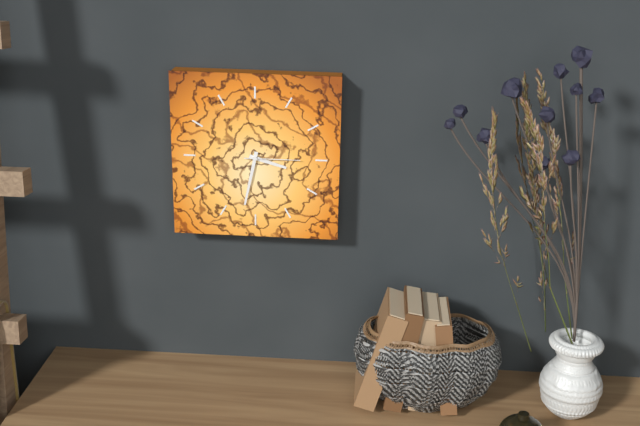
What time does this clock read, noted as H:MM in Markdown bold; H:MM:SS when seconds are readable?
**3:32:15**
